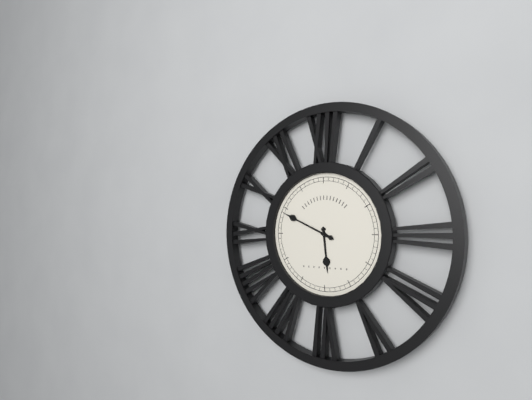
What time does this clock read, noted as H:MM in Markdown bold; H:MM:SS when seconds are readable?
**5:49**
